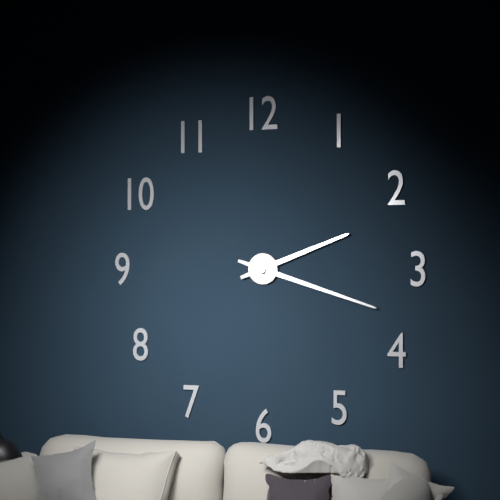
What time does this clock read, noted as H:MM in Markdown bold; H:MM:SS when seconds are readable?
**2:18**
